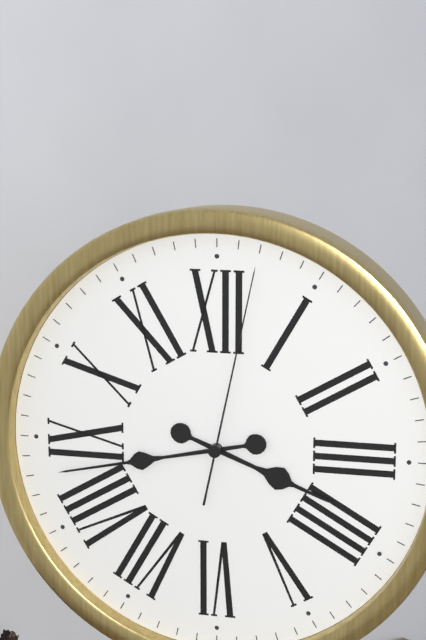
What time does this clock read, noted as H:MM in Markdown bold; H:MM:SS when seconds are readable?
**3:43:02**
